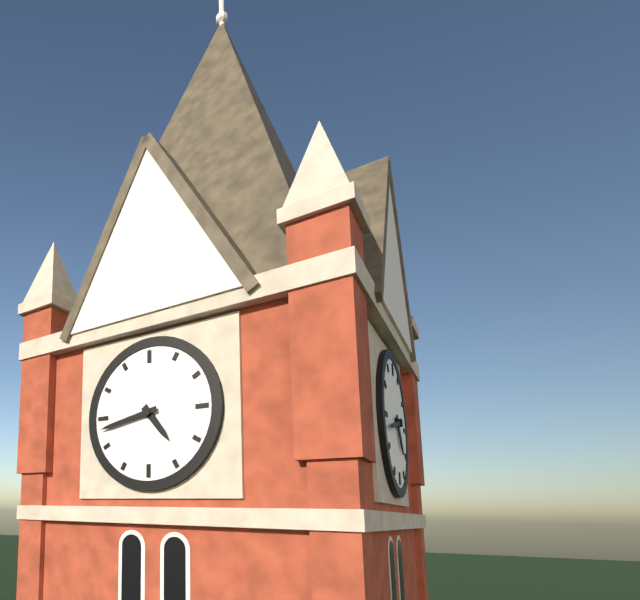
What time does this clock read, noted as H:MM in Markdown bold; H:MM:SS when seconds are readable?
**4:43**
